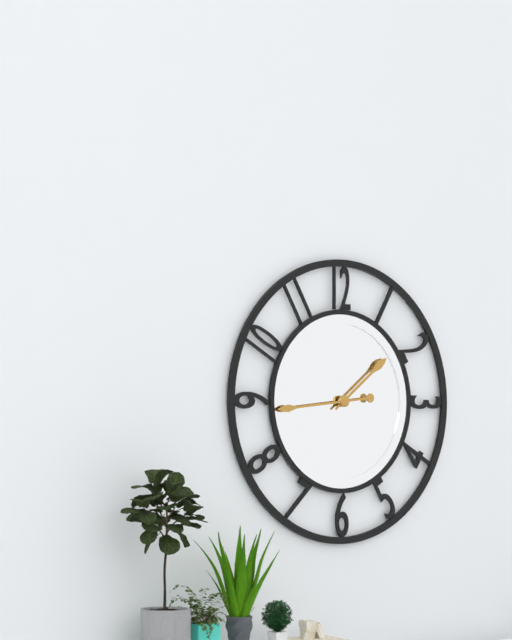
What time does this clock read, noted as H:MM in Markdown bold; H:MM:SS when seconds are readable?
**1:44**
